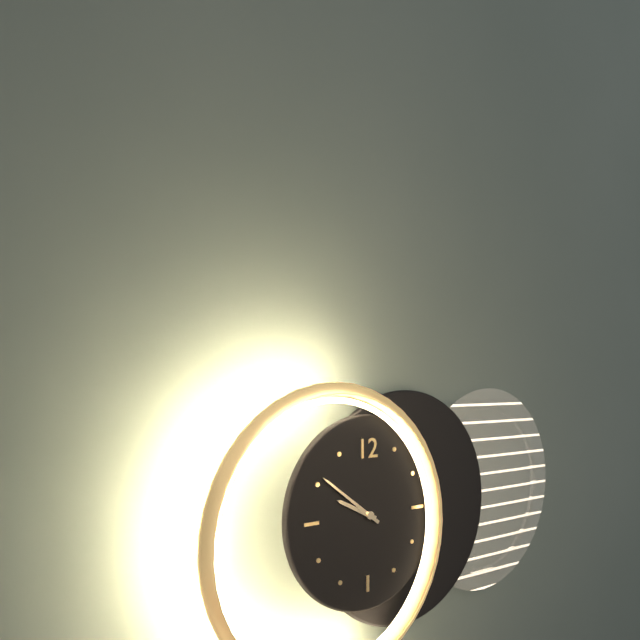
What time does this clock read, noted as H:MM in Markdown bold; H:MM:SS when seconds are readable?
**9:51**
